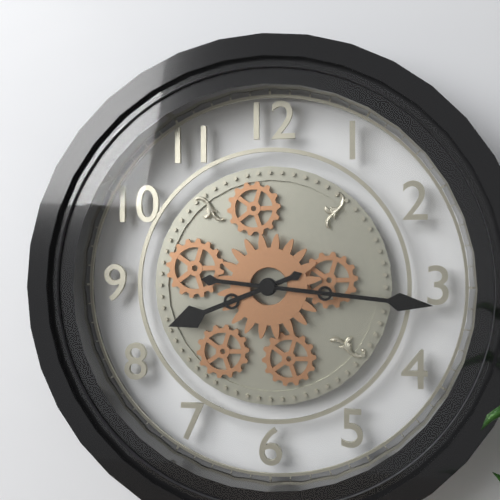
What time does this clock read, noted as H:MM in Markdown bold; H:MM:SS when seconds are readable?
**8:16**
